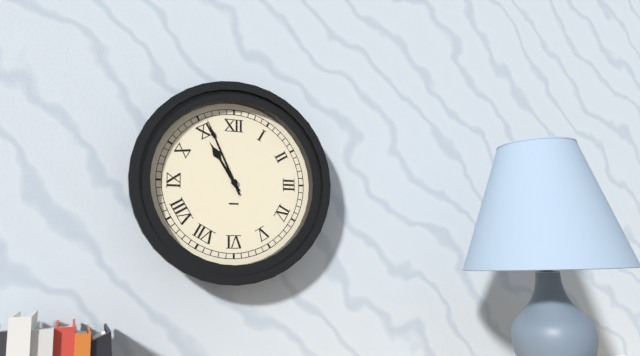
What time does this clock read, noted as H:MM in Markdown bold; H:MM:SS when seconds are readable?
**10:56**
